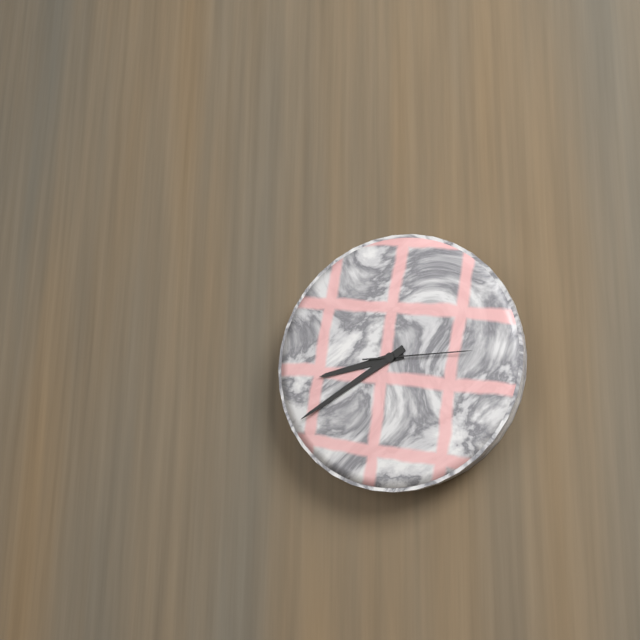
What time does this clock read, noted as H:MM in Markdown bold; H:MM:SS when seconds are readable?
**8:40:15**
